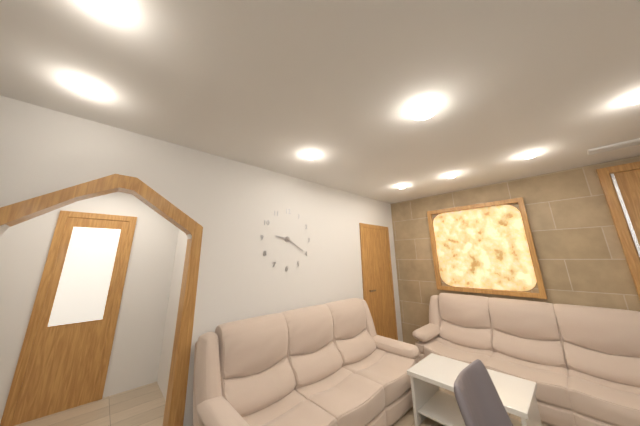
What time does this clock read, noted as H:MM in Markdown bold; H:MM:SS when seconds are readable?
**9:20**
